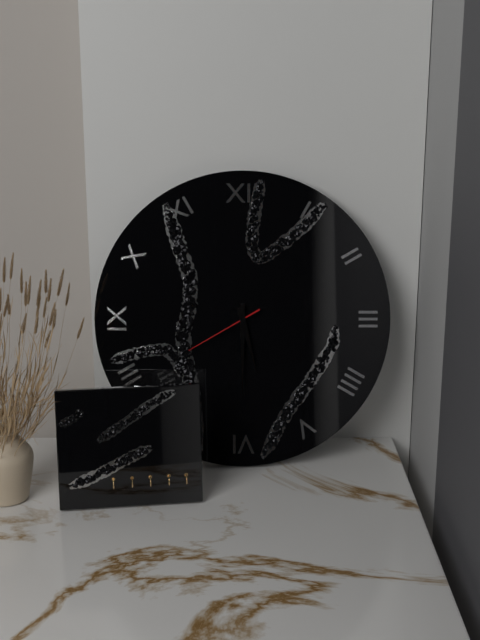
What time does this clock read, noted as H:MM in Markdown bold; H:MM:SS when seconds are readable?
**5:30:40**
